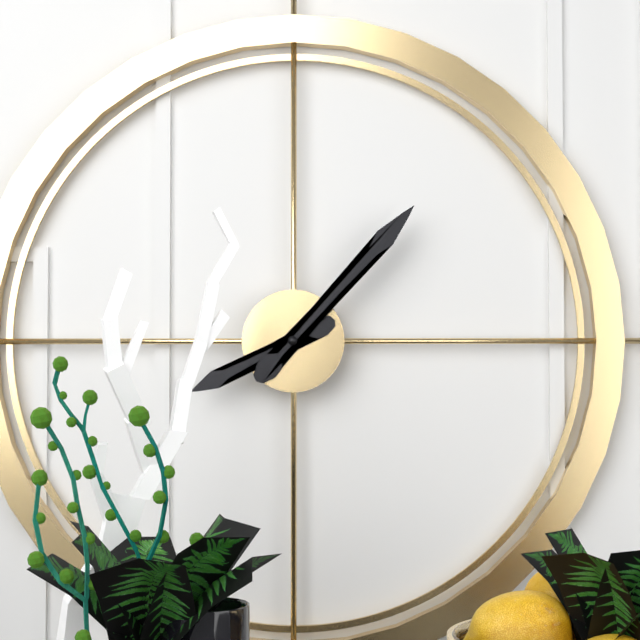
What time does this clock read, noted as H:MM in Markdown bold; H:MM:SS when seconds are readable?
**8:07**
